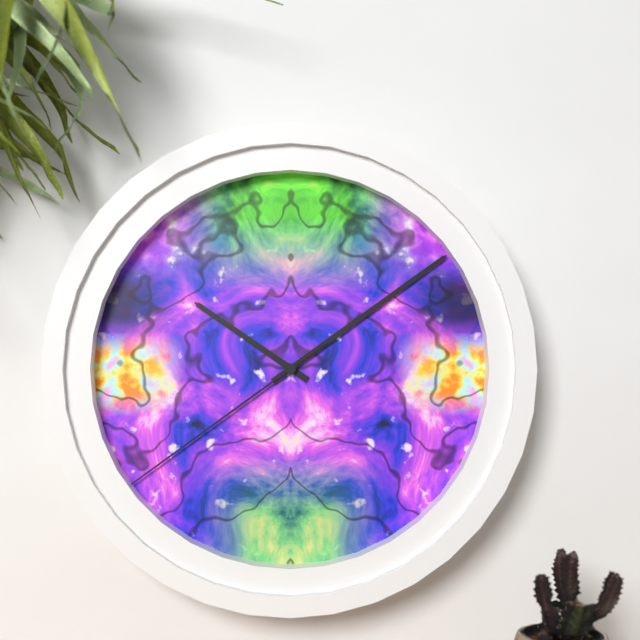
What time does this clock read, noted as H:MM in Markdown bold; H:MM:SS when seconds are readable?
**10:09:39**
